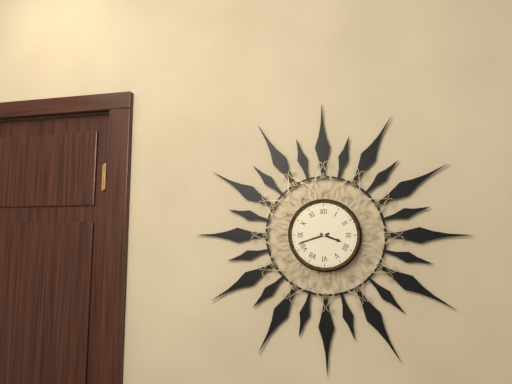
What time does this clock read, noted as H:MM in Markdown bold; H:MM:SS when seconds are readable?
**3:42**
